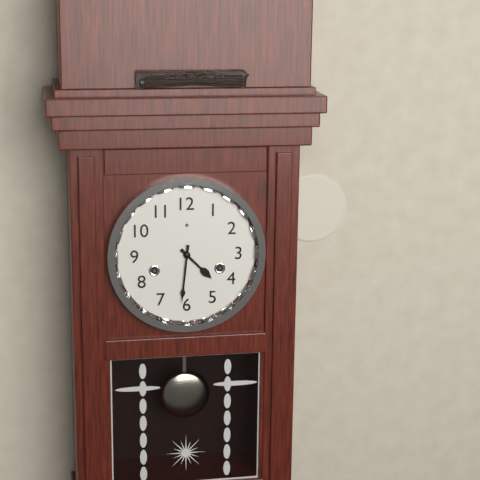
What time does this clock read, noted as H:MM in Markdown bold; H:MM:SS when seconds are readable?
**4:31**
